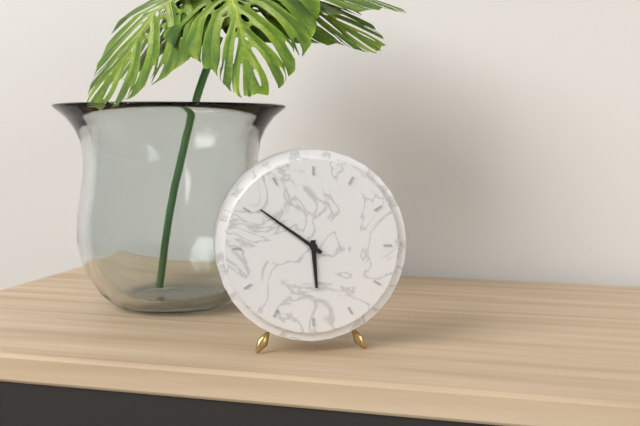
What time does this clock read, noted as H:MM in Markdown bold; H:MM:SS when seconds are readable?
**5:51**
